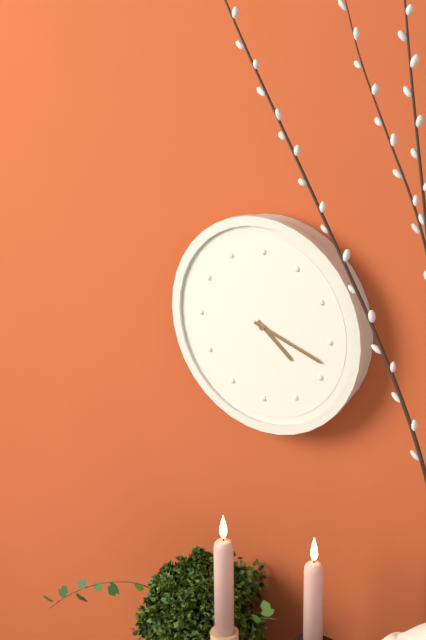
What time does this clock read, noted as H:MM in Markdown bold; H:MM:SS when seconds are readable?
**4:18**
